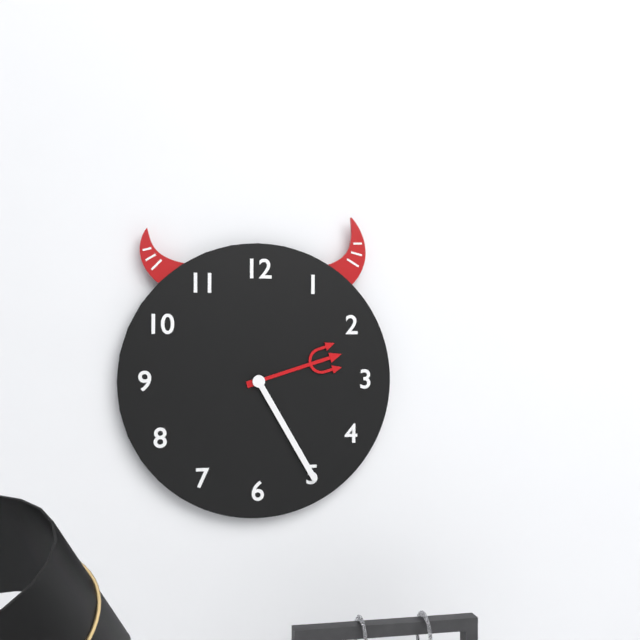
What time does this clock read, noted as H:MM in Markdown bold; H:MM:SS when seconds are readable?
**2:25**
